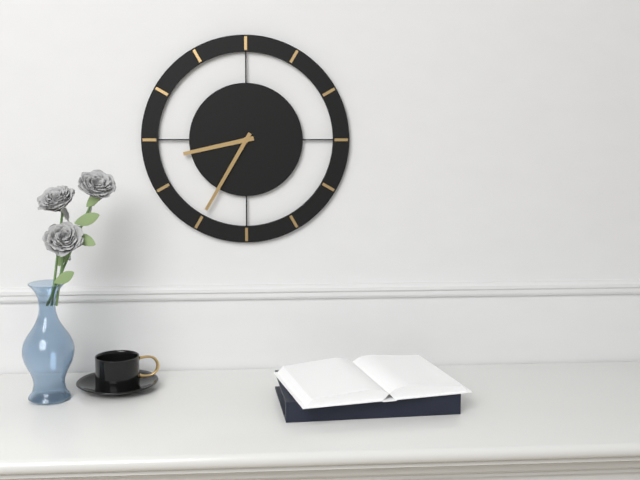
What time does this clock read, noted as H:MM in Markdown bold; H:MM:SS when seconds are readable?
**8:35**
